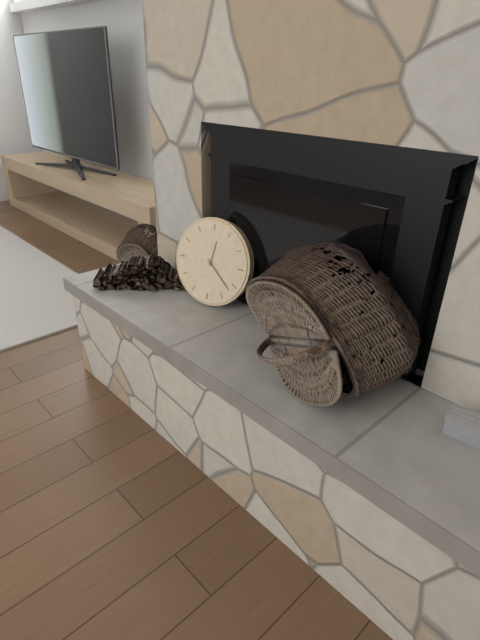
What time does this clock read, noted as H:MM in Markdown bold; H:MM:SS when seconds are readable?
**12:22**
